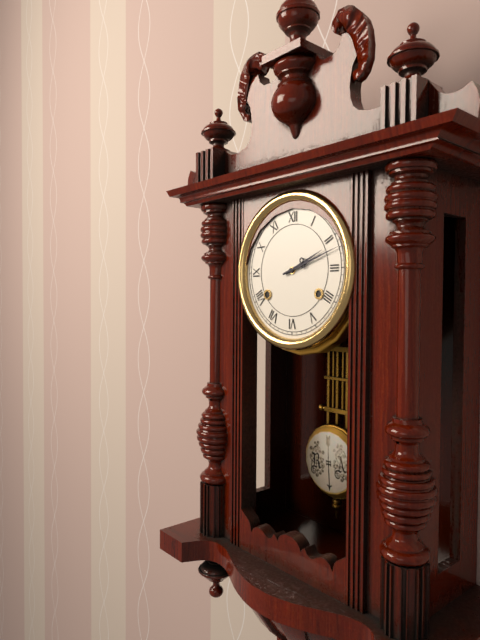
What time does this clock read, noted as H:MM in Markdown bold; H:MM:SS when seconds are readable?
**2:12**
